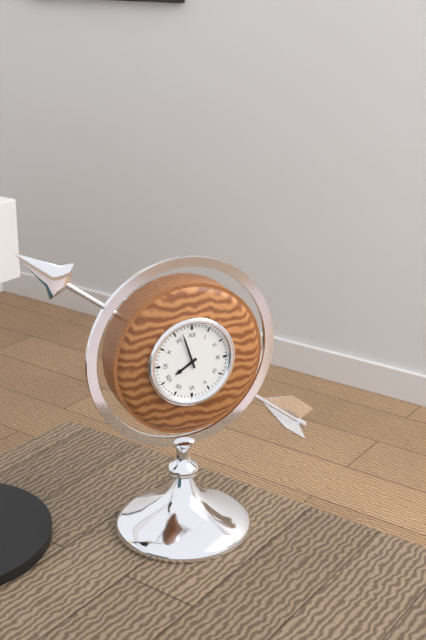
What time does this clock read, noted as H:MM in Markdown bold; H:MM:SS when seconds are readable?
**7:57**
